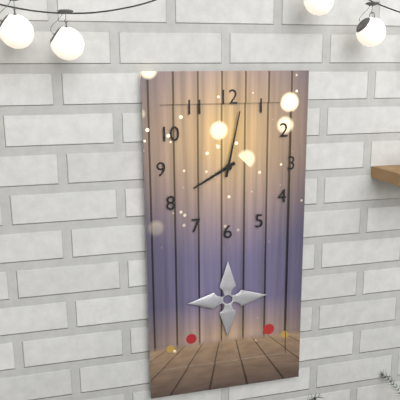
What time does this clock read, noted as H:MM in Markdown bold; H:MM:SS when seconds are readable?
**8:02**
